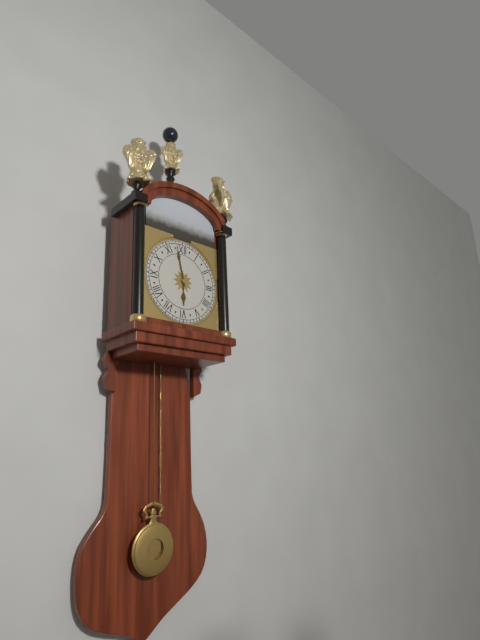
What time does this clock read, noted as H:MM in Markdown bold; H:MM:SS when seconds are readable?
**5:58**
